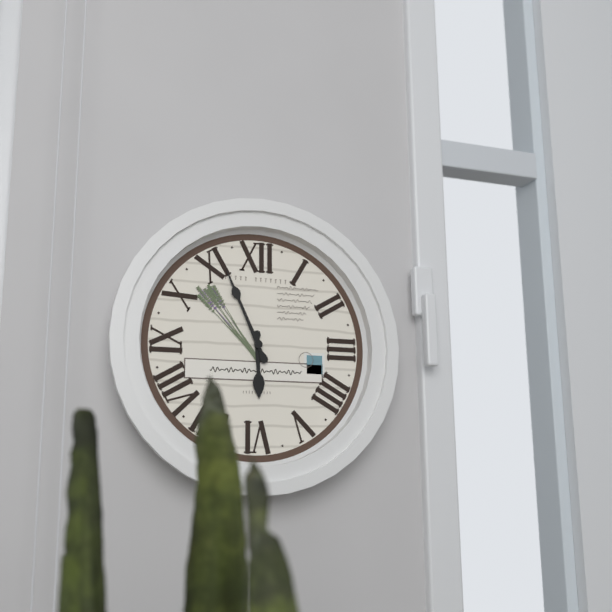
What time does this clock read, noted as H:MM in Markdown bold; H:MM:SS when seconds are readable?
**5:56**
